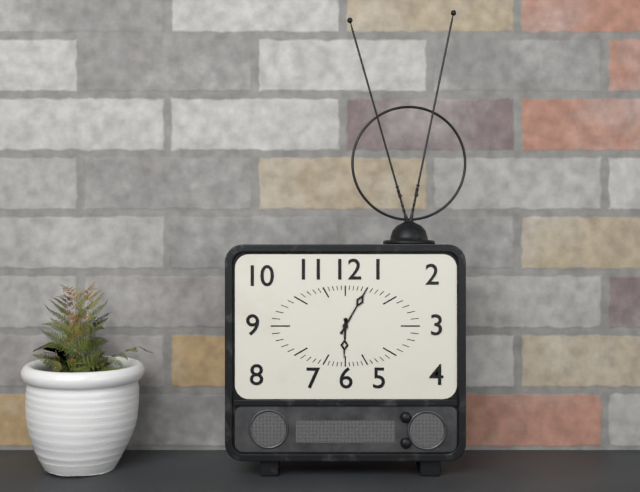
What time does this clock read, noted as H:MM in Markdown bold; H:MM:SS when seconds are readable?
**6:05**
